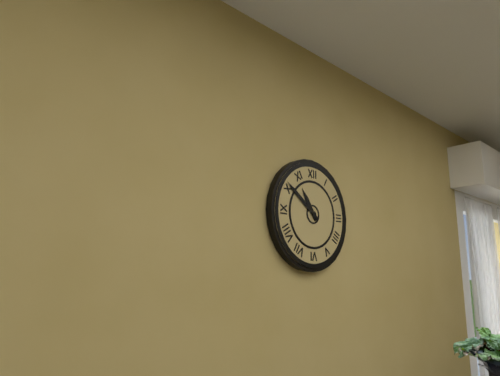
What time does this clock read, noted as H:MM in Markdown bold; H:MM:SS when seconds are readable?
**10:51**
